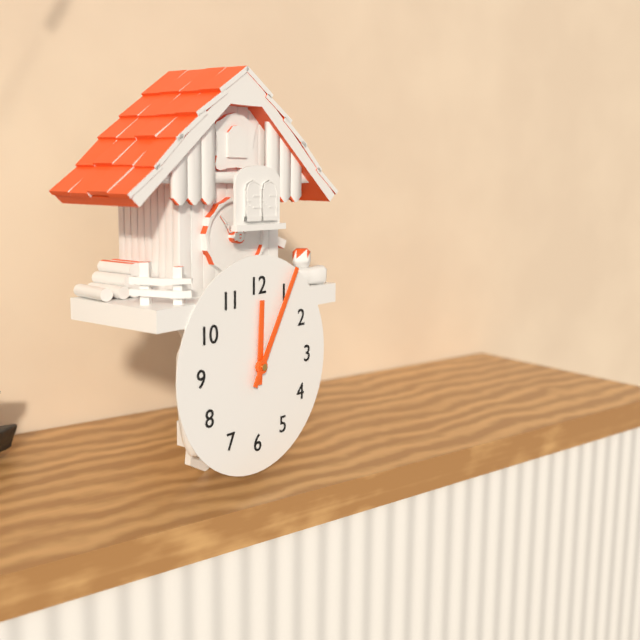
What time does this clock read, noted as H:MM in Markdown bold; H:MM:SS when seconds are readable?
**12:05**
